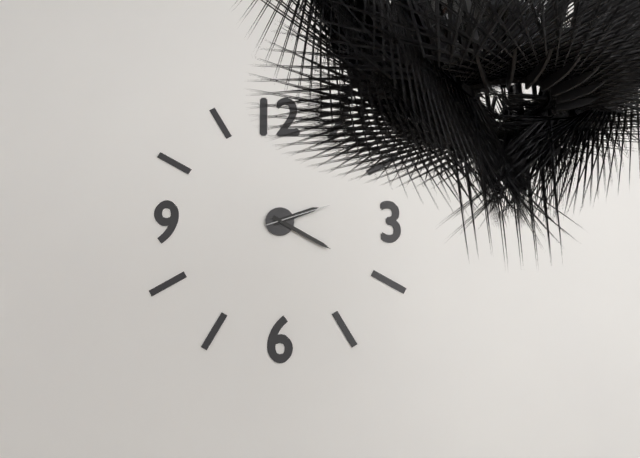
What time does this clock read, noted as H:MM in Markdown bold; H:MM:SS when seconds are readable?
**2:20:12**
